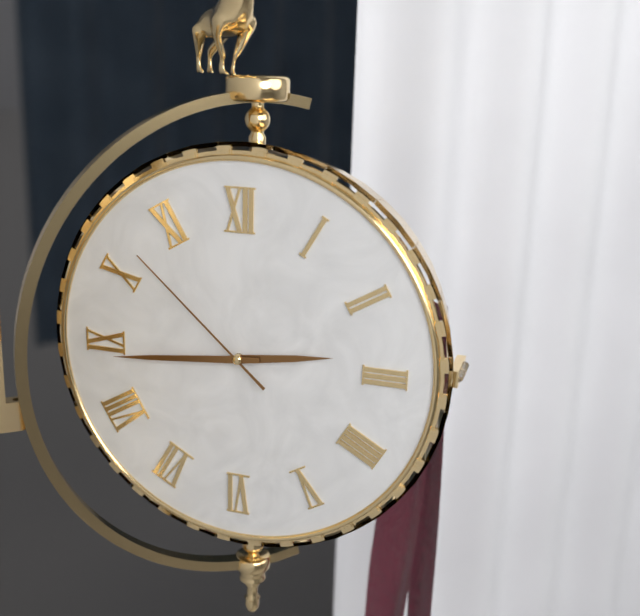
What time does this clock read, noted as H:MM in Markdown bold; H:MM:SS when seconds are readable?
**2:44:52**
